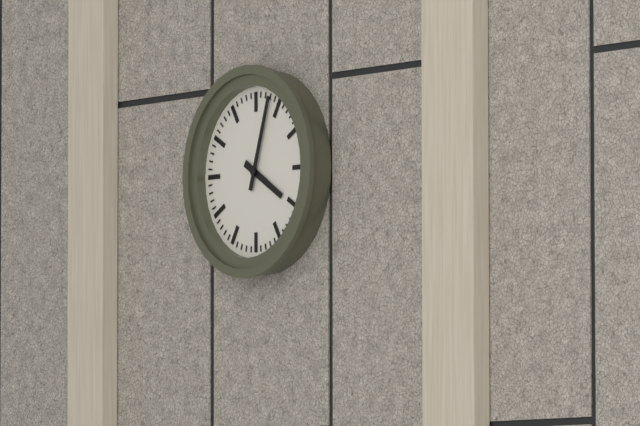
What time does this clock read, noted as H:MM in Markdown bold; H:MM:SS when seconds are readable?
**4:03**
